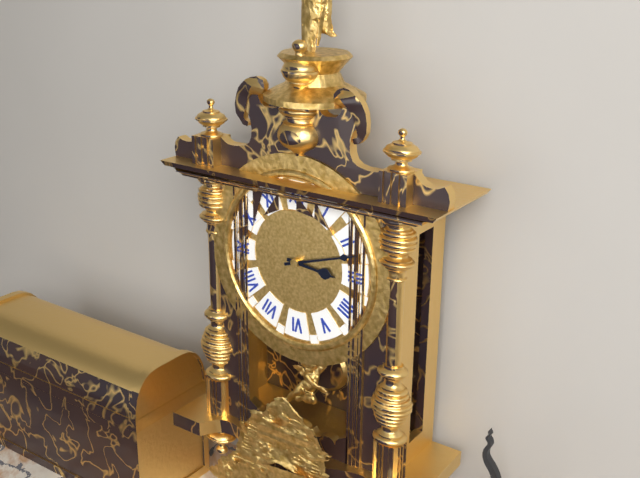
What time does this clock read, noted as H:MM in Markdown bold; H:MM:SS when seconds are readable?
**3:12**
